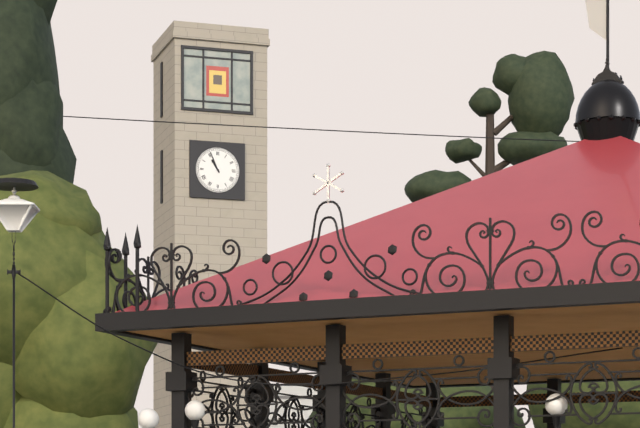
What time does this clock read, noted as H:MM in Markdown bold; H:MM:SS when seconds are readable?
**10:56**
